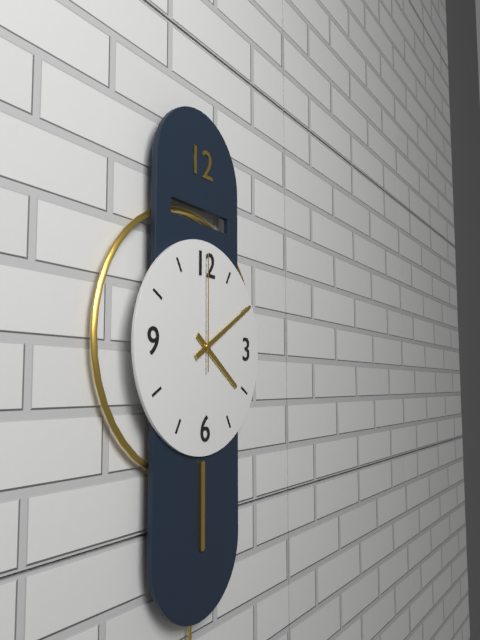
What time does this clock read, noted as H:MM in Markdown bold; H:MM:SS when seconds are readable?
**4:10:00**
